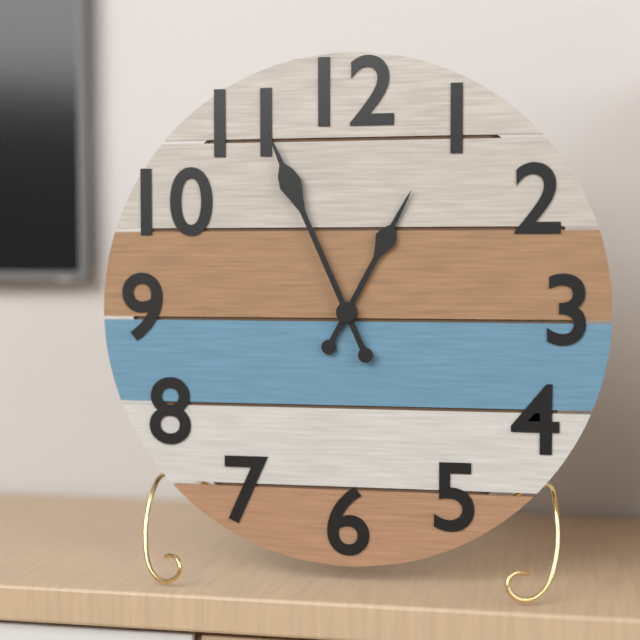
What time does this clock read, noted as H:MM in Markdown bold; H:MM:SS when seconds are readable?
**12:56**
